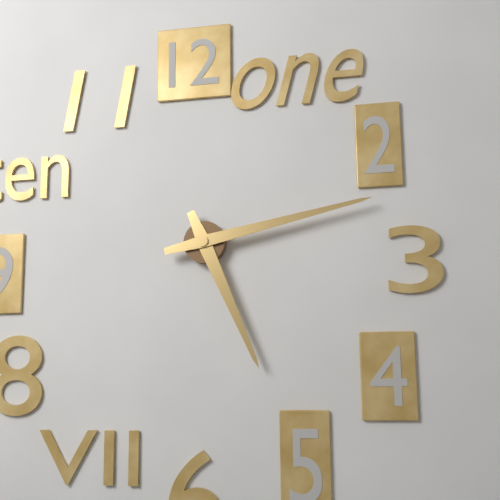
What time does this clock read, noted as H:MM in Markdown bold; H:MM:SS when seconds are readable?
**5:13**
